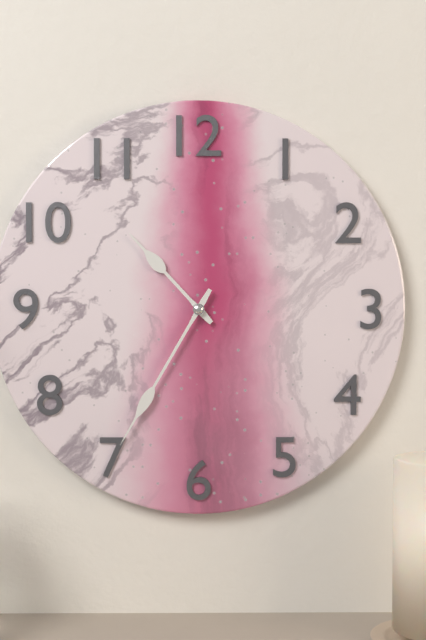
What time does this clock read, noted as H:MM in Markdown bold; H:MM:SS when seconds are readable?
**10:35**
